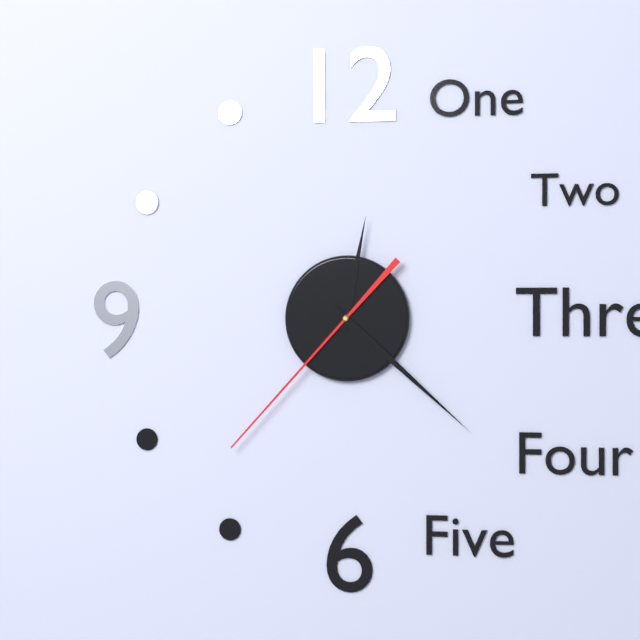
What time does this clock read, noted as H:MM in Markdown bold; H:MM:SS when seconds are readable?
**12:22:37**
